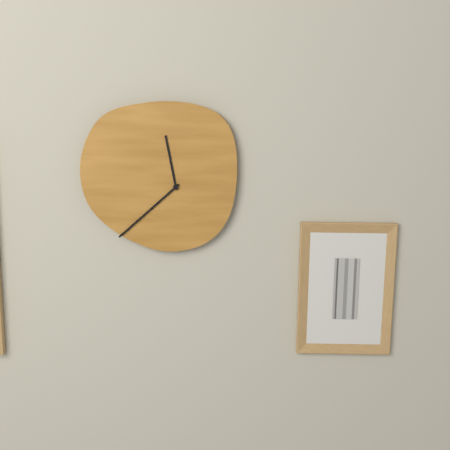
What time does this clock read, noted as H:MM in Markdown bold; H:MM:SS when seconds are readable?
**11:38**
